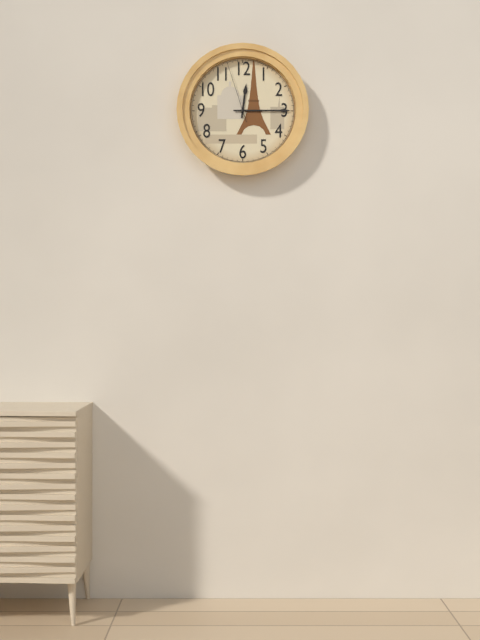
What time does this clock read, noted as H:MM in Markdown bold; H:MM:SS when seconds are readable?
**12:15:57**
